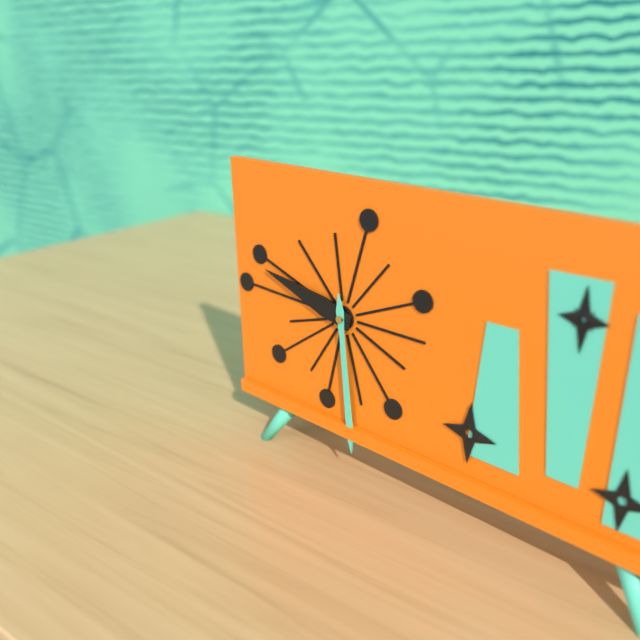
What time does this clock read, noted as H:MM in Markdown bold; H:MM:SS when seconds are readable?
**9:29**
